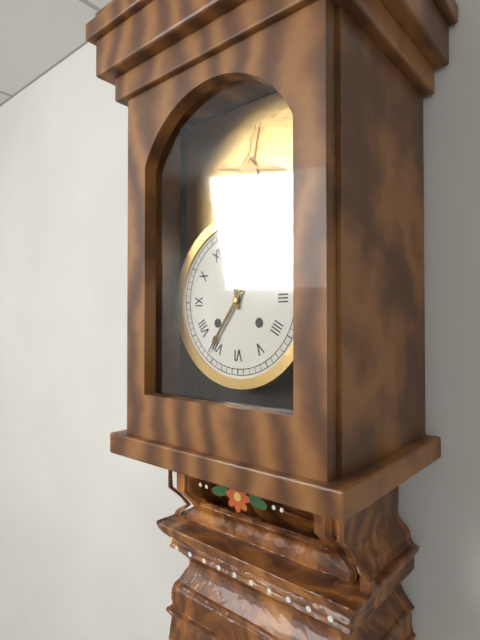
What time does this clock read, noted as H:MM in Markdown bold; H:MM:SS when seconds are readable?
**11:36**
